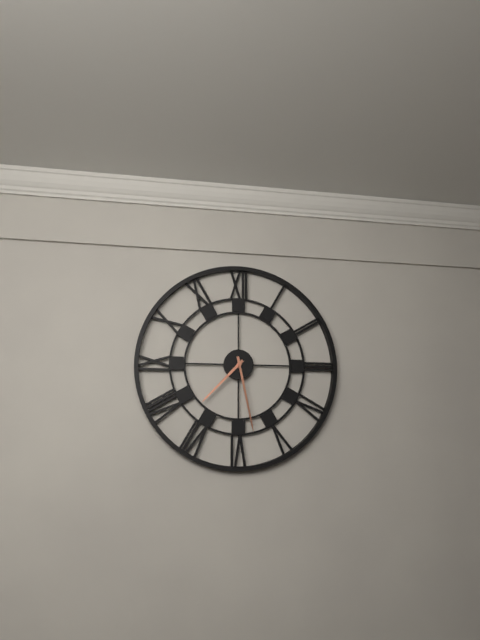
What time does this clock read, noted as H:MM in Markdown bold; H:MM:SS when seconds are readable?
**7:28**
